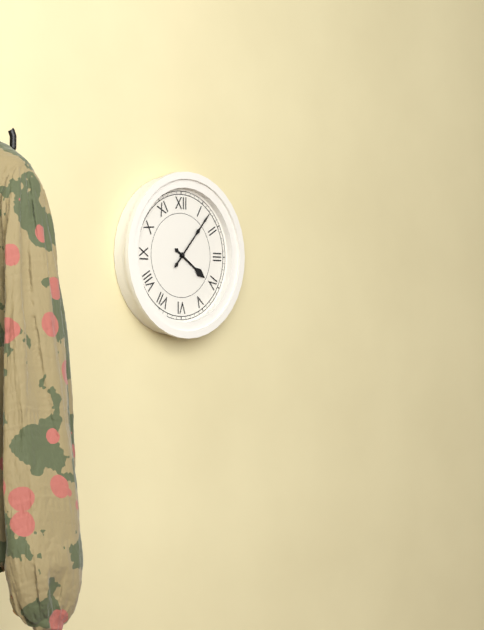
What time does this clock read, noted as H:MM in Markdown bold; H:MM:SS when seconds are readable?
**4:07**
